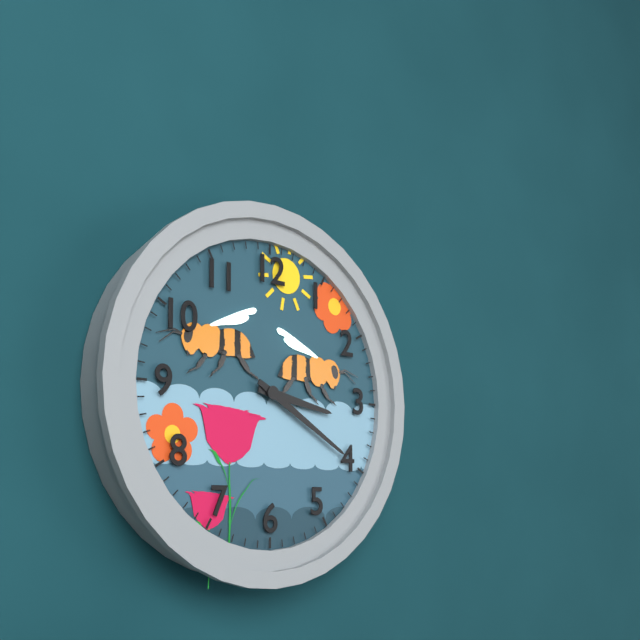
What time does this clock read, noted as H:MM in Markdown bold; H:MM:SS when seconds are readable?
**3:20**
